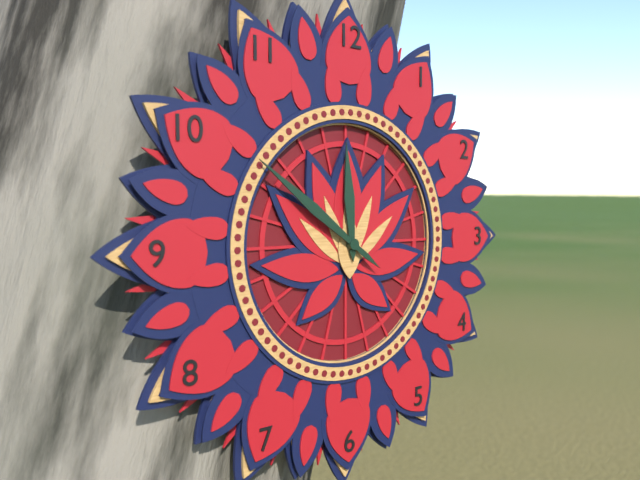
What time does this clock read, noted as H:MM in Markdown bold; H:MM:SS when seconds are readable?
**11:51**
